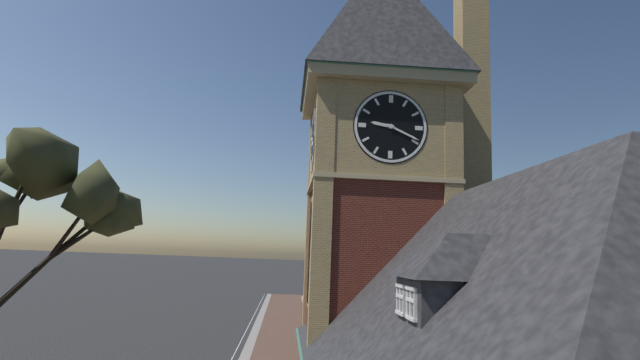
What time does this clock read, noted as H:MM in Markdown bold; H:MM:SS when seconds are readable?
**9:19**
